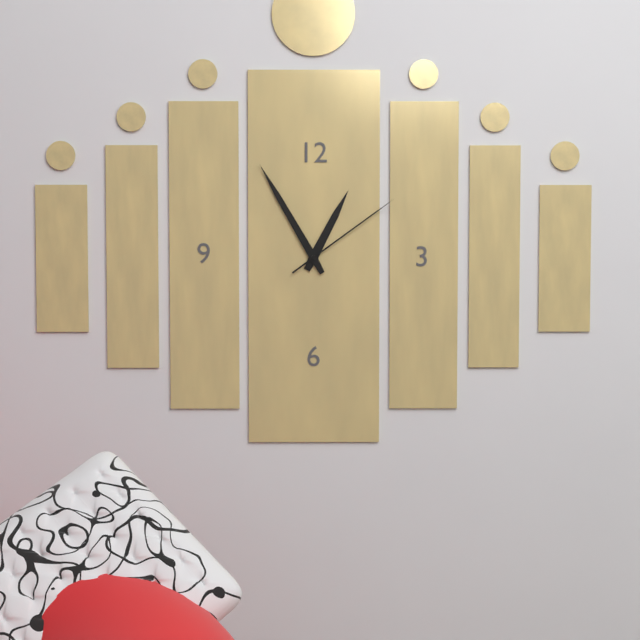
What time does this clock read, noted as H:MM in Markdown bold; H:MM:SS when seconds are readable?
**12:55:09**
